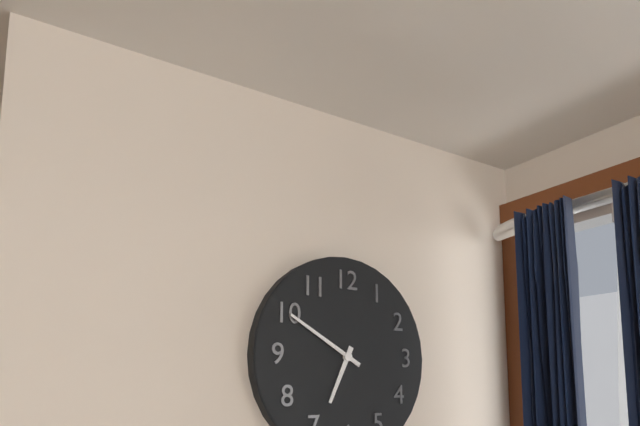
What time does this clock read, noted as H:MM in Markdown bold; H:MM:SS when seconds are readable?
**6:50**
